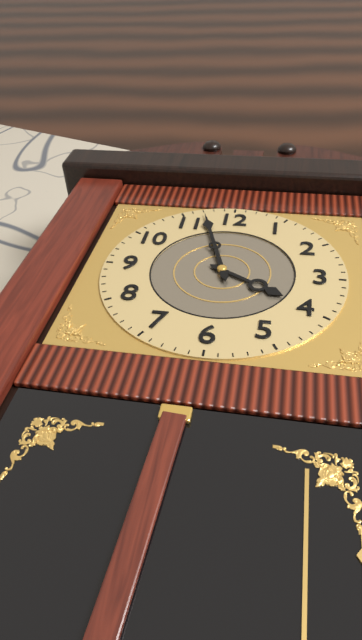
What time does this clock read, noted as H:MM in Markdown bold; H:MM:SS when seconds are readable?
**3:57**
